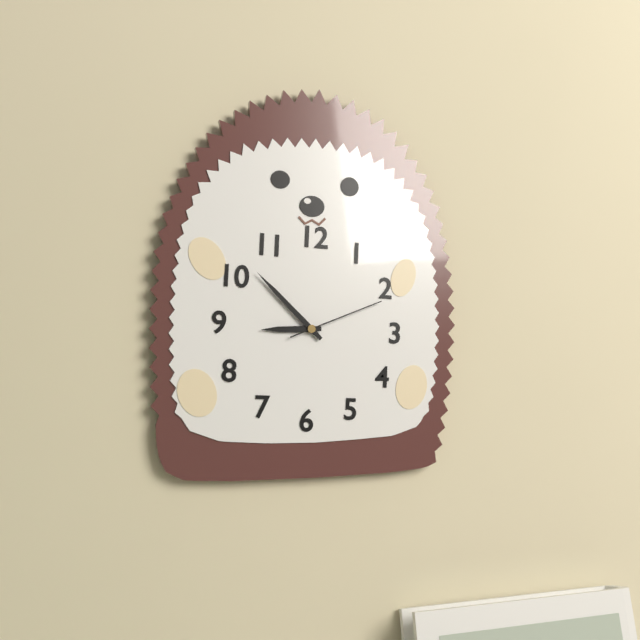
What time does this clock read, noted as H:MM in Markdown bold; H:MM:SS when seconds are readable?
**8:52:11**
